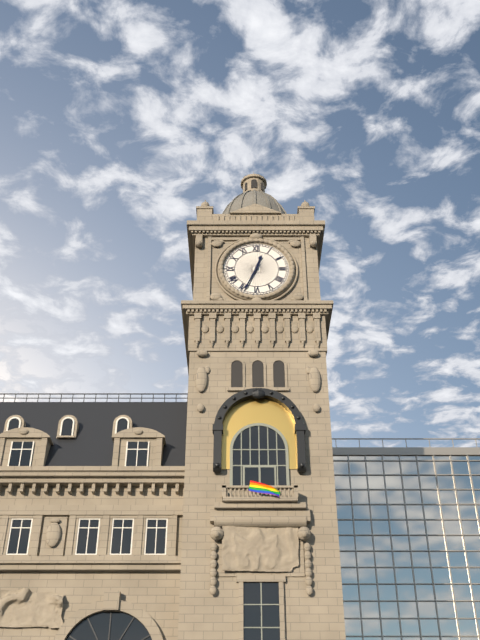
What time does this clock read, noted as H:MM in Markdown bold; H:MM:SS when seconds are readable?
**12:34**
